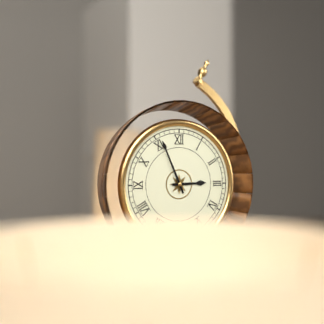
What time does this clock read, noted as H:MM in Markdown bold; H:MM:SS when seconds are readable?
**2:56**
